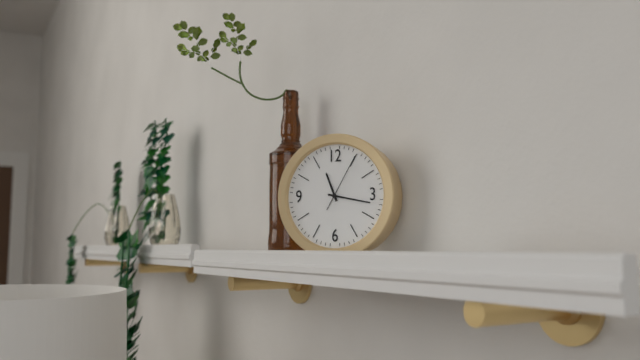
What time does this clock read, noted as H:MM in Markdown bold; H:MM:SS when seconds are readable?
**11:17:05**
